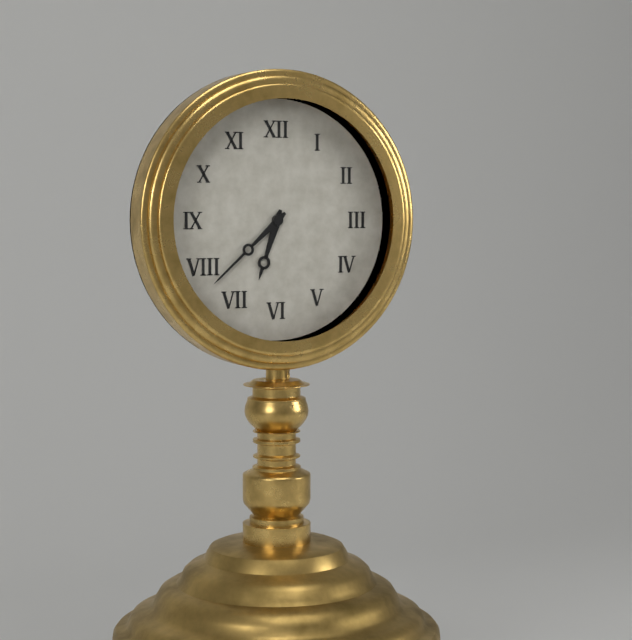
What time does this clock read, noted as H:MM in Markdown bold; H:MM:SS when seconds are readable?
**6:38**
